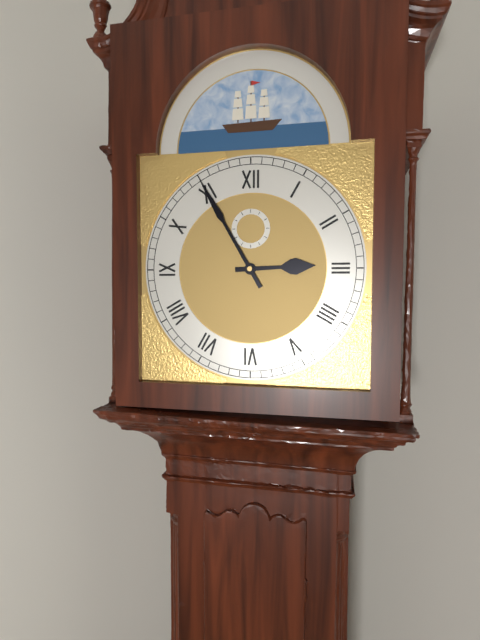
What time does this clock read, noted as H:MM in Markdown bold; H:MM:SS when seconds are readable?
**2:55**
